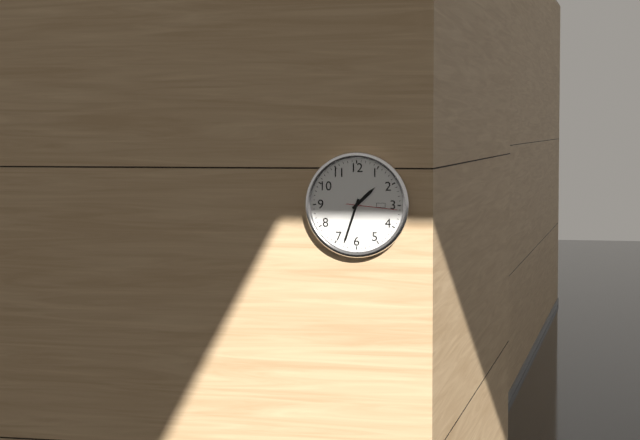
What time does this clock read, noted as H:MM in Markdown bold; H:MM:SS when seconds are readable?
**1:33**
